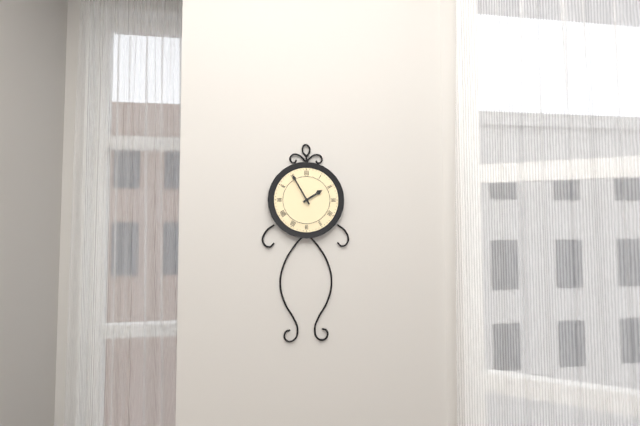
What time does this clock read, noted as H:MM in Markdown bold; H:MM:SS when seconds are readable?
**1:55**
